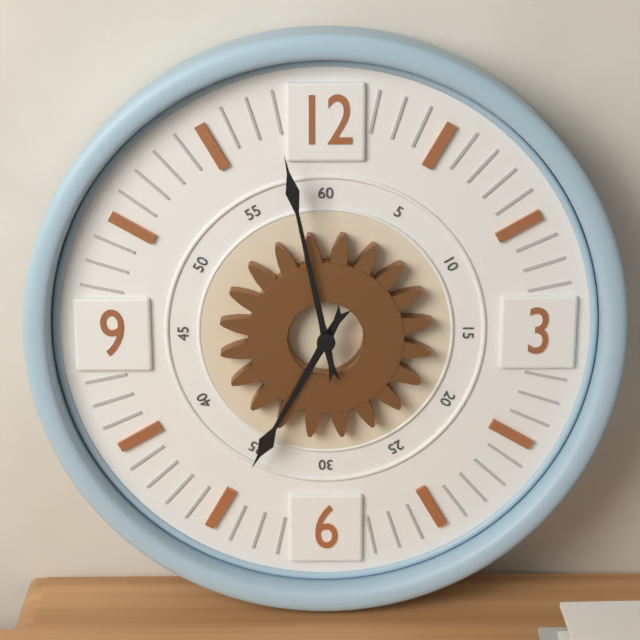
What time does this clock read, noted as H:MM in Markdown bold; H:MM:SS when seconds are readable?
**6:58**
